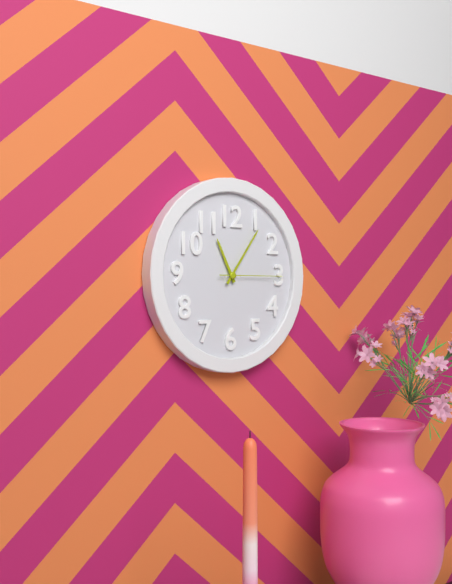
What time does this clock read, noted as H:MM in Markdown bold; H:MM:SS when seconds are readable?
**11:06:15**
